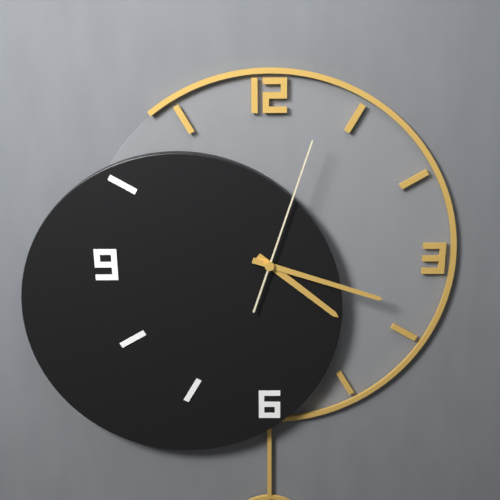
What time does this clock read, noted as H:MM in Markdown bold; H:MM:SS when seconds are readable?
**4:18:03**
